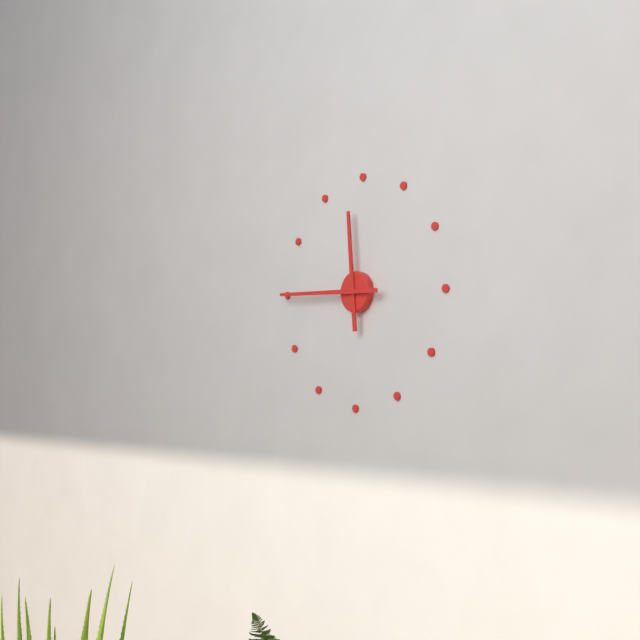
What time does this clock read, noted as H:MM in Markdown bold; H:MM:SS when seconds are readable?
**11:45**
